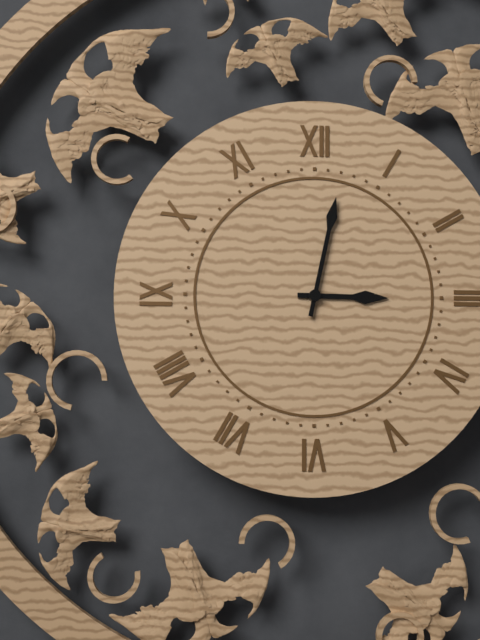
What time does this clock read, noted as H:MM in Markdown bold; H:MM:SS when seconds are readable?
**3:02**
